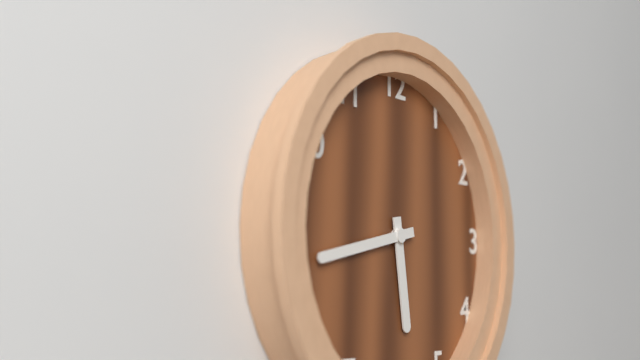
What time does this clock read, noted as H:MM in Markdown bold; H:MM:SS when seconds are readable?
**5:43**
